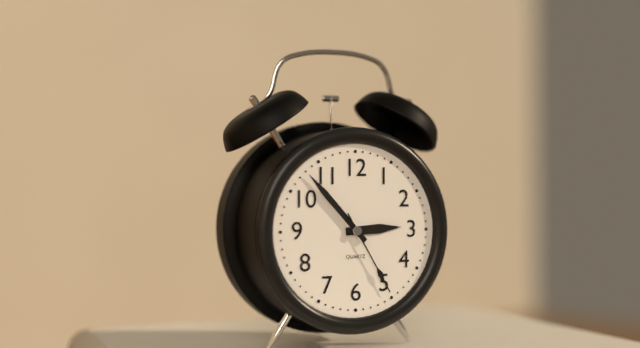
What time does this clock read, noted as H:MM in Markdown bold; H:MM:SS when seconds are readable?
**2:53:25**
